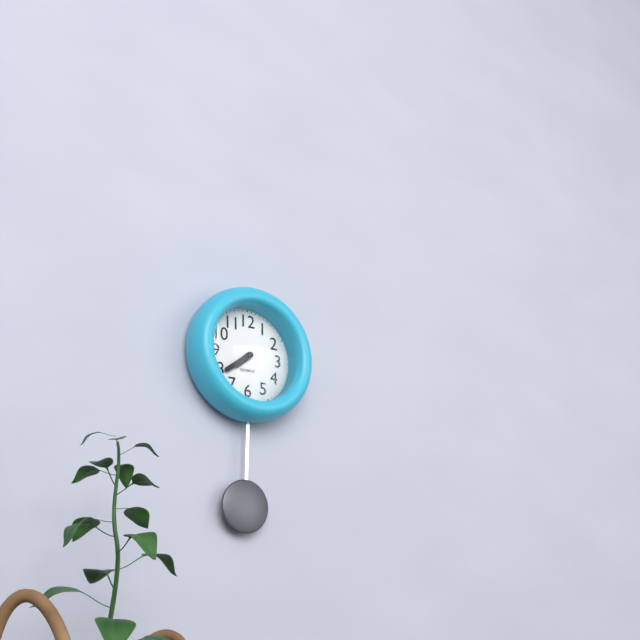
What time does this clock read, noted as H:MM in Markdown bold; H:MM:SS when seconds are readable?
**7:39**
